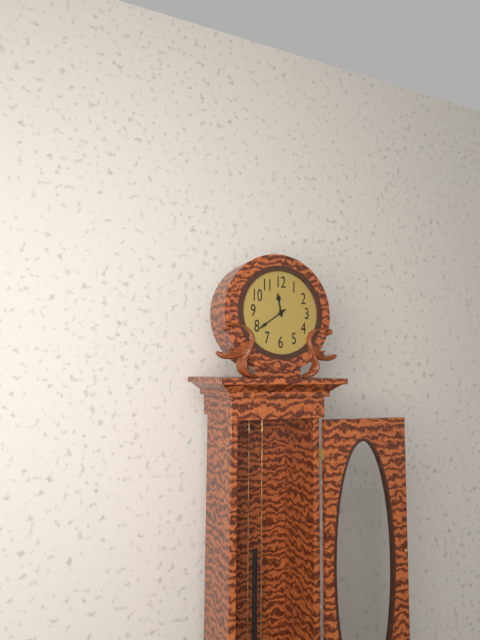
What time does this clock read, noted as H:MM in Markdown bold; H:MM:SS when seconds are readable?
**11:39**
